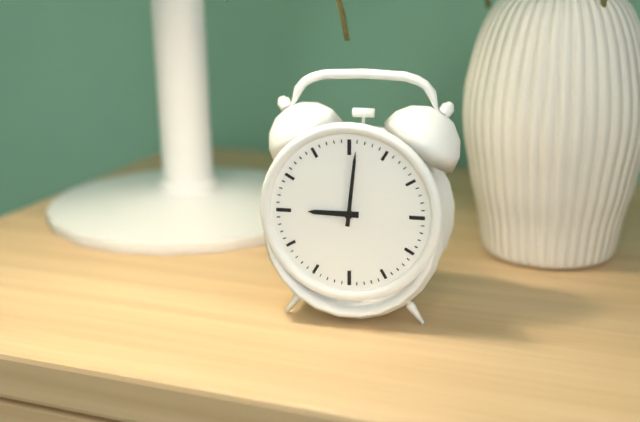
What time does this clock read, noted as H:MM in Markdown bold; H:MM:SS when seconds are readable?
**9:01**
